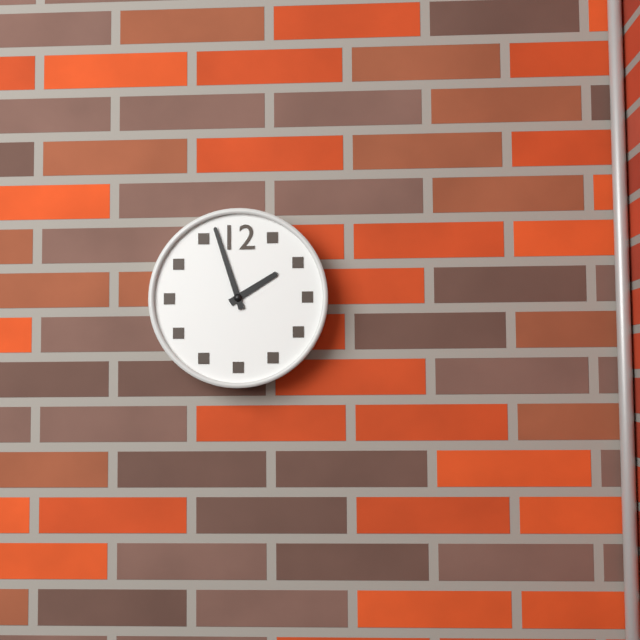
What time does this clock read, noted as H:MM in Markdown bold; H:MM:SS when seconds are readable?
**1:57**
